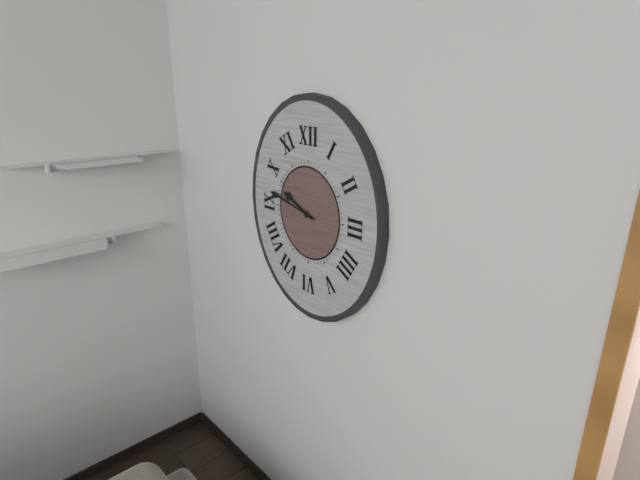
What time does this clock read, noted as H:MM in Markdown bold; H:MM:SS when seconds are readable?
**9:47**
